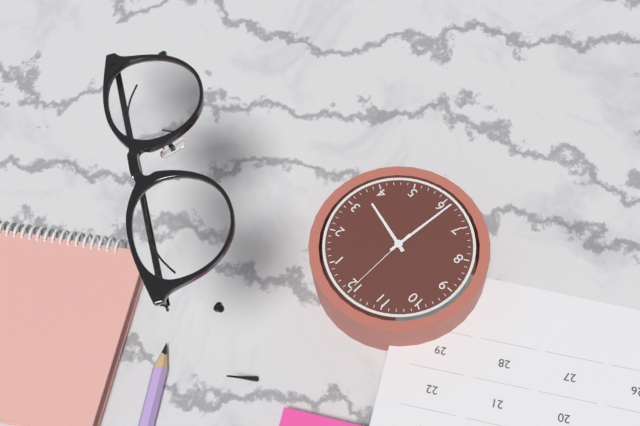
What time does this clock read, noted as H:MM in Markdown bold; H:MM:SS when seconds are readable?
**3:31:00**
